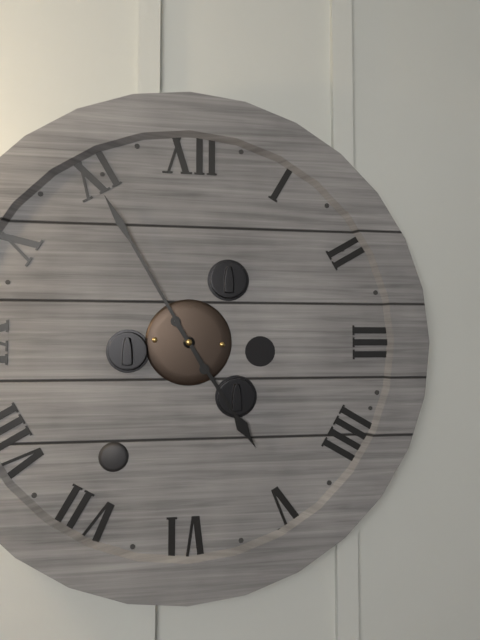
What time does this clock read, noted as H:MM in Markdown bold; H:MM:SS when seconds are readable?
**4:55**
